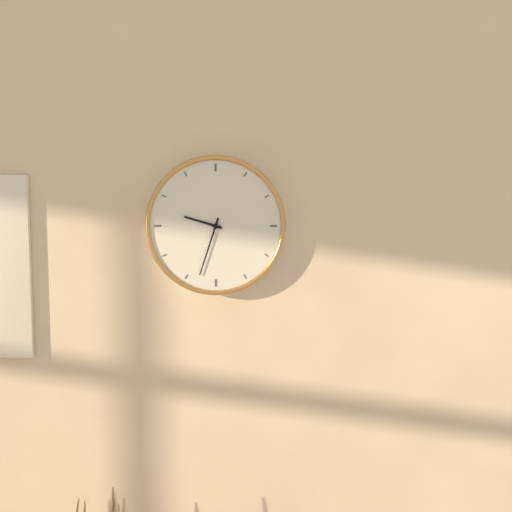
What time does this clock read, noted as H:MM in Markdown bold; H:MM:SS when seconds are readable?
**9:33**
